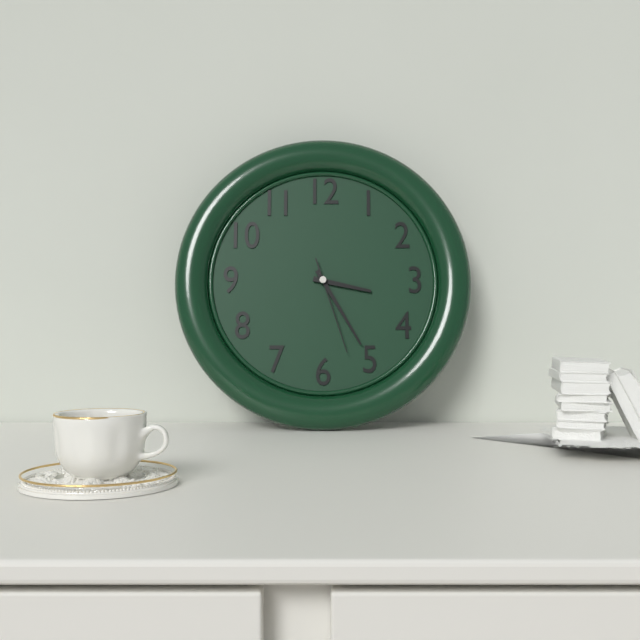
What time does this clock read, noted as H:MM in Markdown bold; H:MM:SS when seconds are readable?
**3:25:27**
